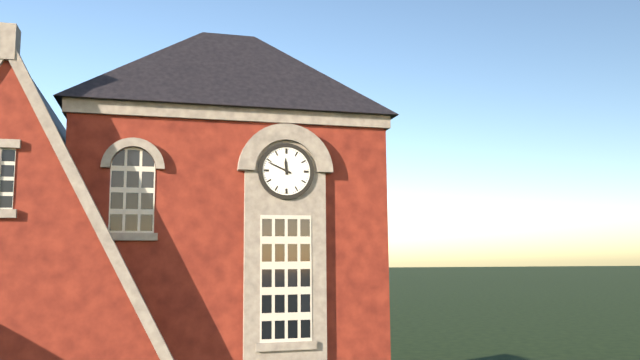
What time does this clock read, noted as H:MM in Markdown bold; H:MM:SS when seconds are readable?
**11:49**
